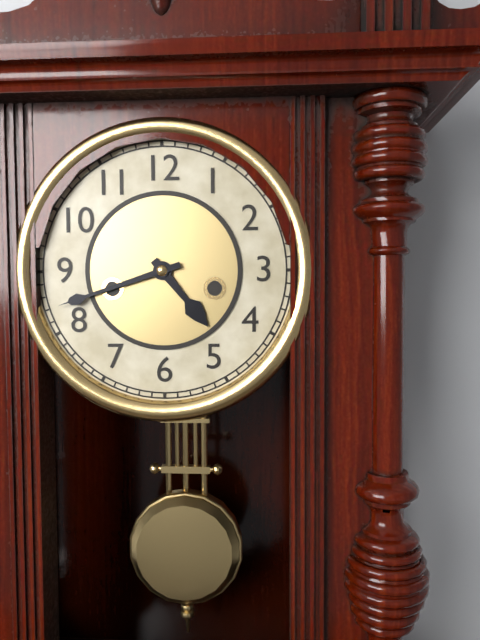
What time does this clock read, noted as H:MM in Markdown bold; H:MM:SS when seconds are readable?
**4:42**
